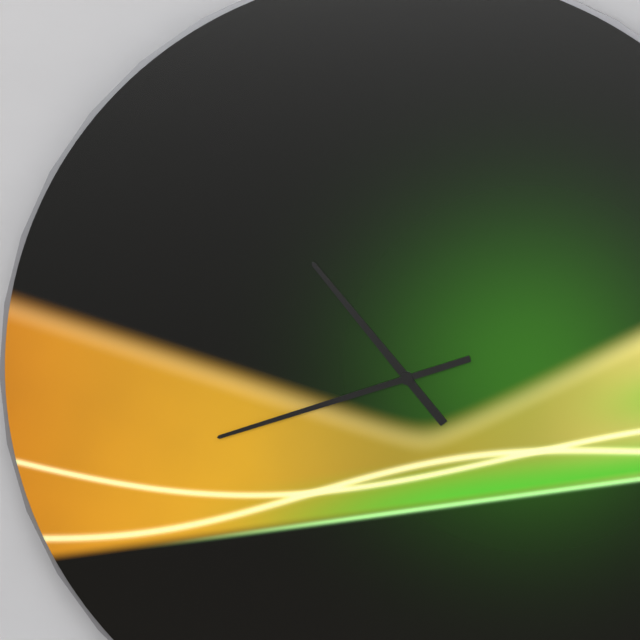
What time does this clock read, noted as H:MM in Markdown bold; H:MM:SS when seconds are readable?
**10:42**
